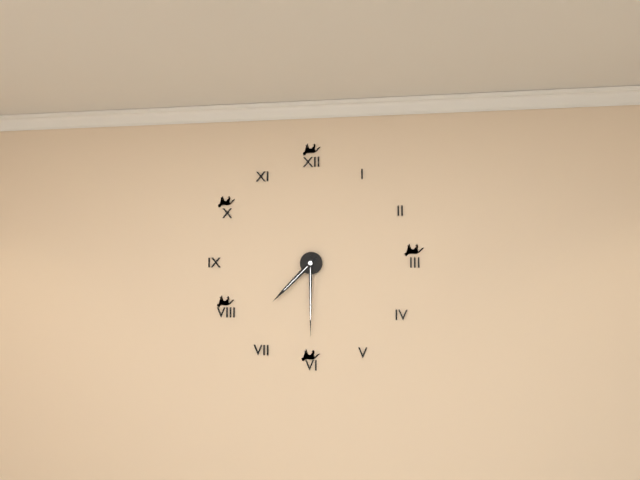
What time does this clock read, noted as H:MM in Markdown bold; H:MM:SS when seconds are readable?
**7:30**
